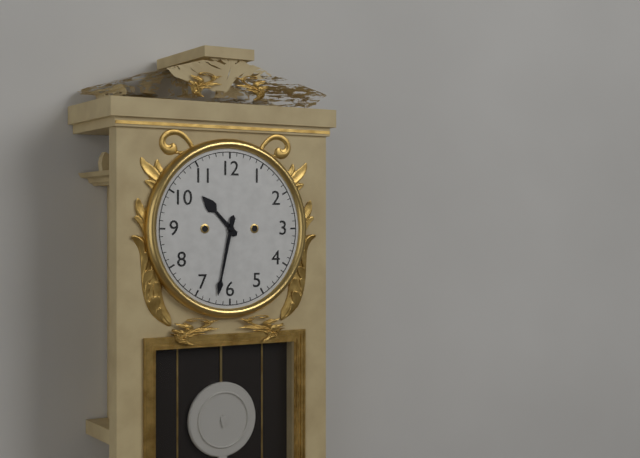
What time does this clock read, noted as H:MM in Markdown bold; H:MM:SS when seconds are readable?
**10:32**
